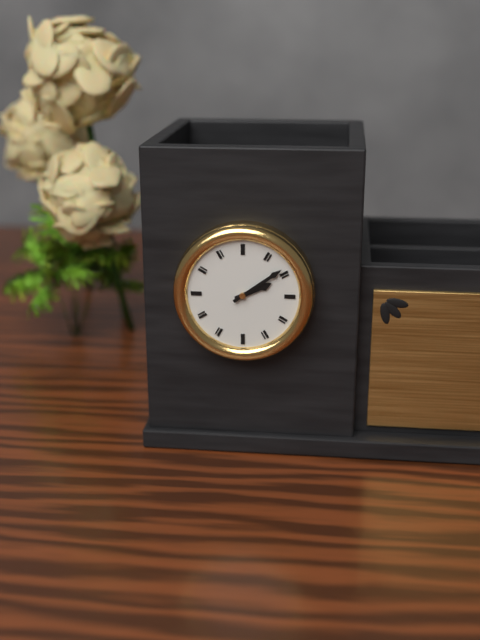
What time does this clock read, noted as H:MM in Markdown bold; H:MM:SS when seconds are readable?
**2:09**
